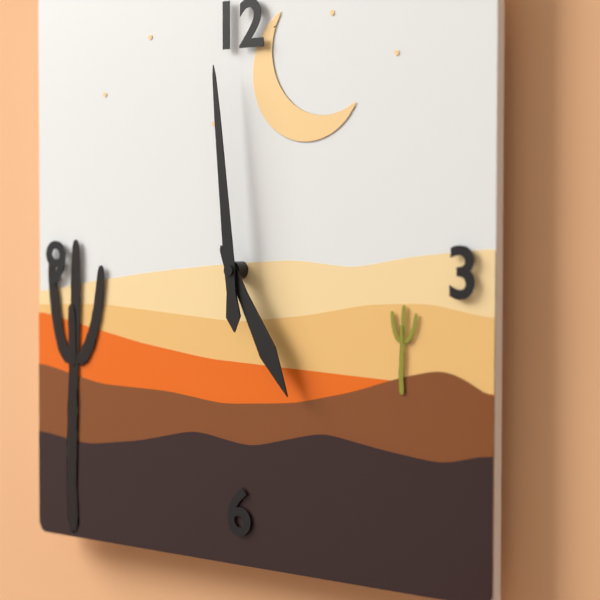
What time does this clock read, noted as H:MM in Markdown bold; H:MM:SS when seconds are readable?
**4:59**
